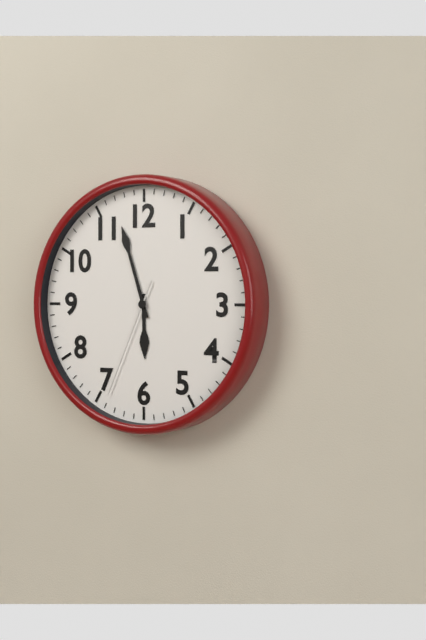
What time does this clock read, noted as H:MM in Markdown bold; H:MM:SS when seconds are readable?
**5:57:34**
